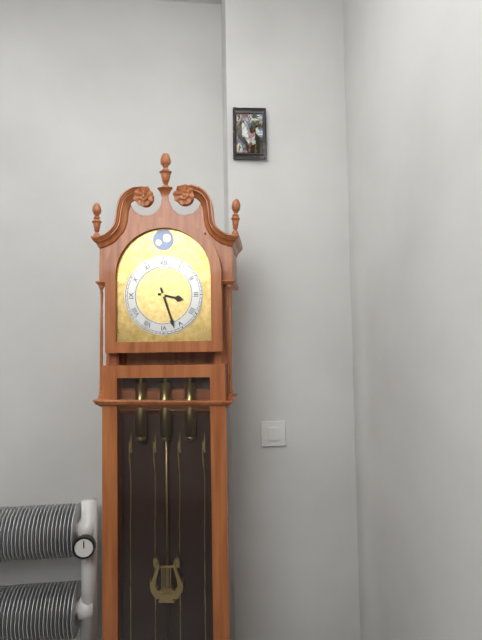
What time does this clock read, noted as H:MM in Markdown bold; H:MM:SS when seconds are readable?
**3:27**
